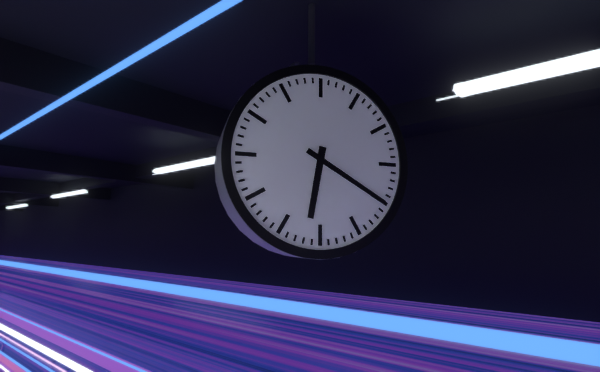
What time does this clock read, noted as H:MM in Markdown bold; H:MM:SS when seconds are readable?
**6:20**
